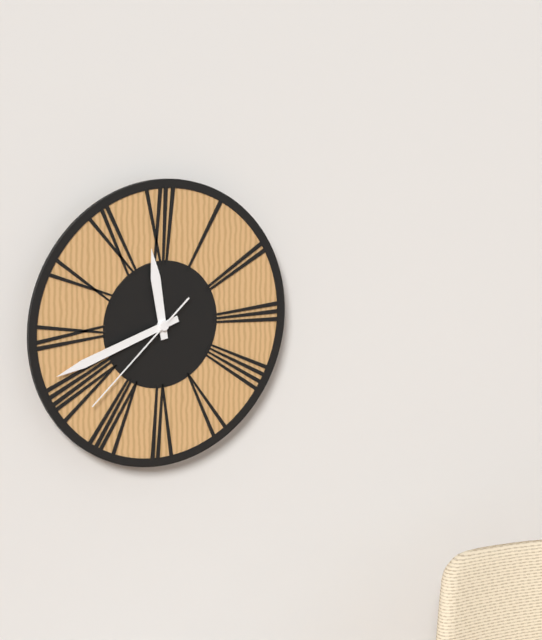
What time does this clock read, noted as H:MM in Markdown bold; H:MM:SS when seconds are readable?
**11:42:38**
